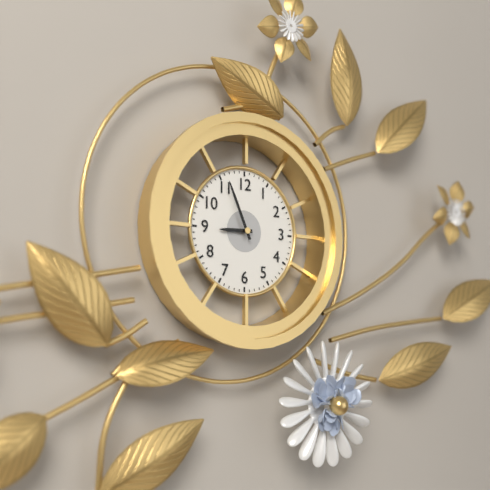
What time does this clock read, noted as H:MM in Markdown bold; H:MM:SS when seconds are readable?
**8:56**
